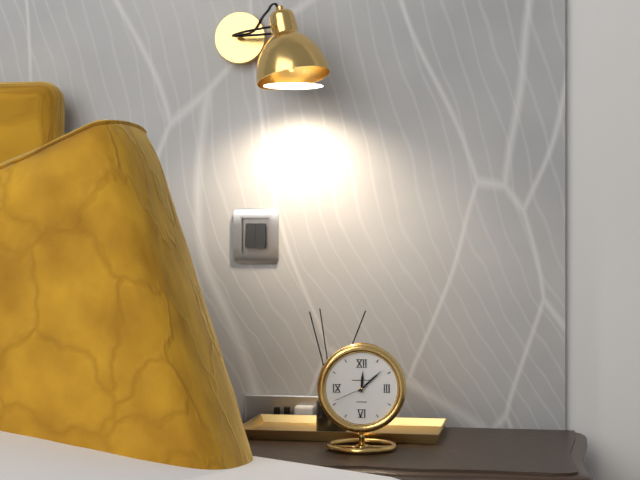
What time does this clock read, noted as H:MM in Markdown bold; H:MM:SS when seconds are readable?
**12:08**
